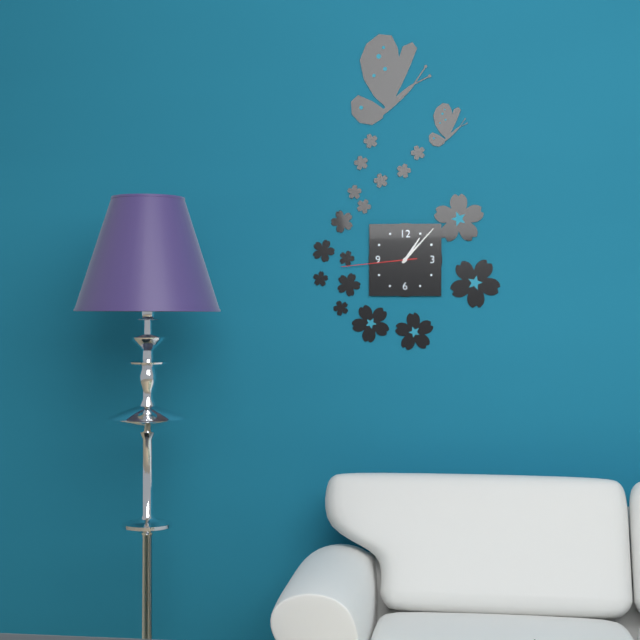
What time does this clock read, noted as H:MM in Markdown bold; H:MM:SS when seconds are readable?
**1:07:44**
